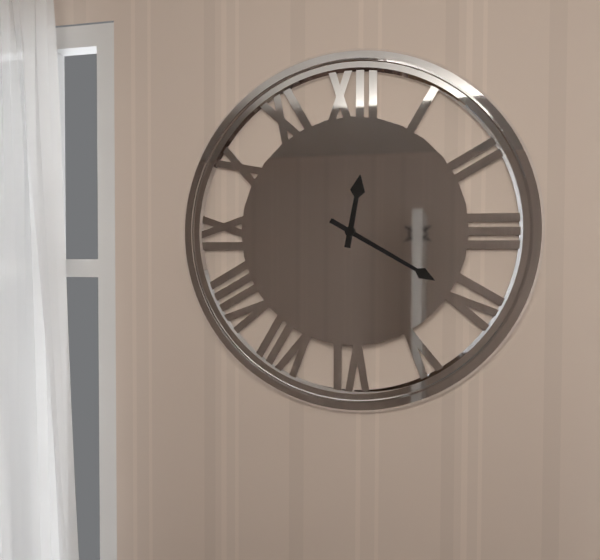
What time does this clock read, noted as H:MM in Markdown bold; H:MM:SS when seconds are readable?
**12:20**
